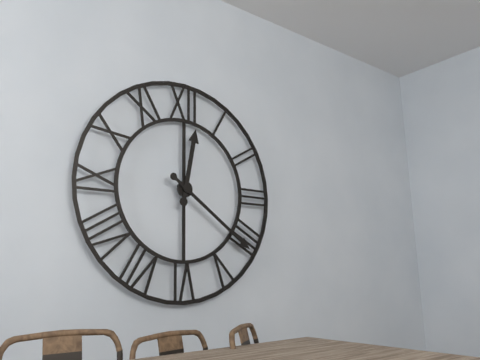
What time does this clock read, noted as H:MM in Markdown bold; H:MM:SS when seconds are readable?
**12:21**
